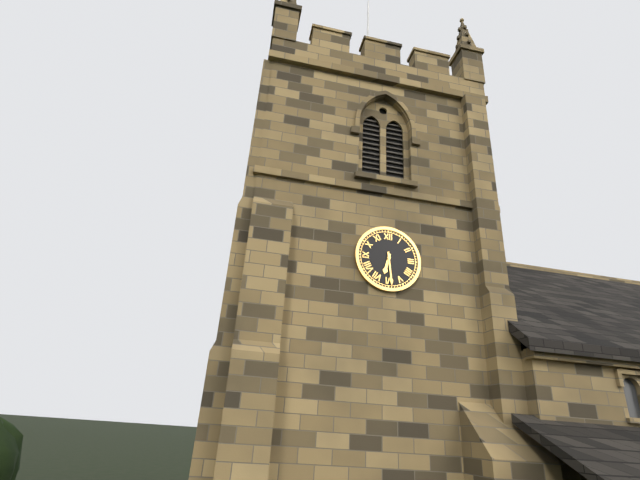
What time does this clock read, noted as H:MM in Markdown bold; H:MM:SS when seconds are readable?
**6:29**
